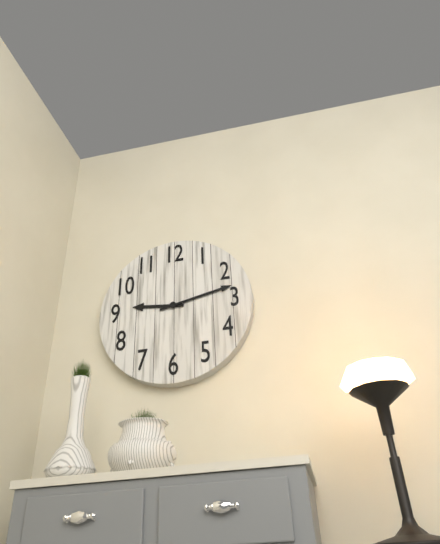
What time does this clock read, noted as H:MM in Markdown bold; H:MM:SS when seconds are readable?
**9:13**
